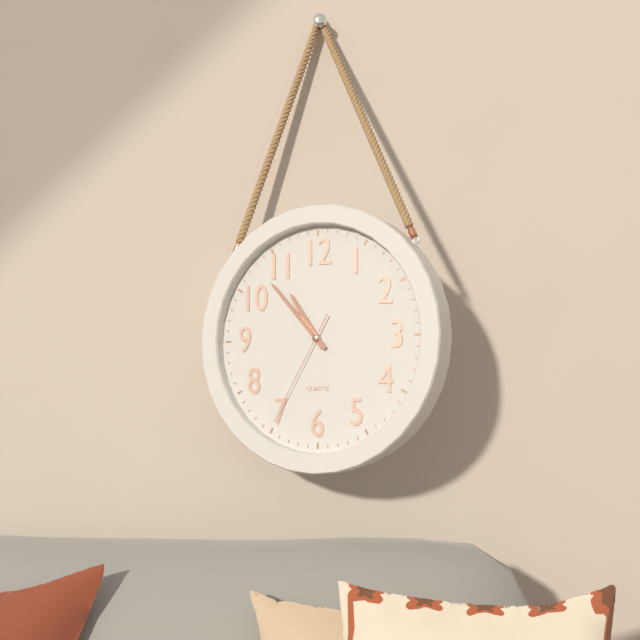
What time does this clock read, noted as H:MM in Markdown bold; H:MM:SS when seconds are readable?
**10:53:35**
